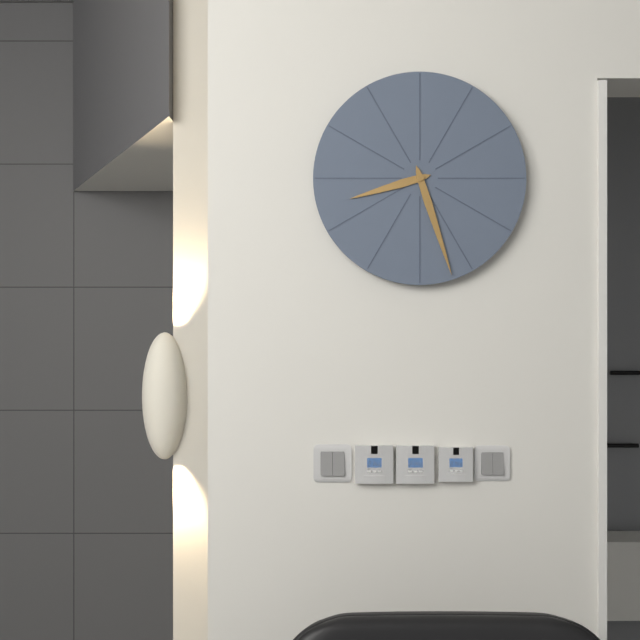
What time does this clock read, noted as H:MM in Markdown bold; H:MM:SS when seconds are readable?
**8:27**
